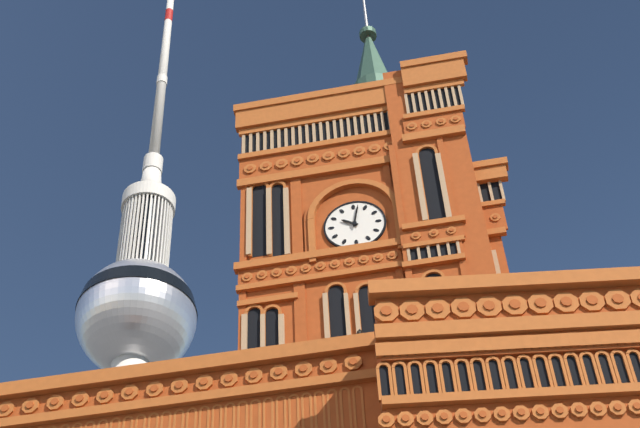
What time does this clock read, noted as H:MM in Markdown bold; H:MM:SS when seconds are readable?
**10:02**
